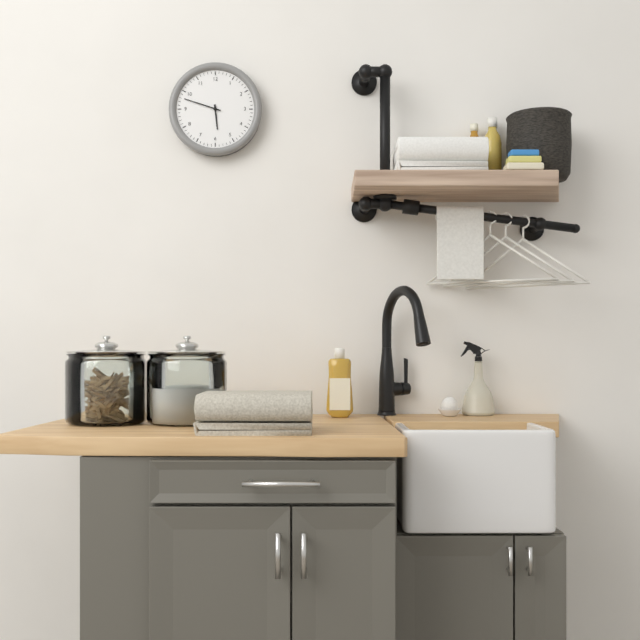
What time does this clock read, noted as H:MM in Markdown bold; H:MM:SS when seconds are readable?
**5:48**
